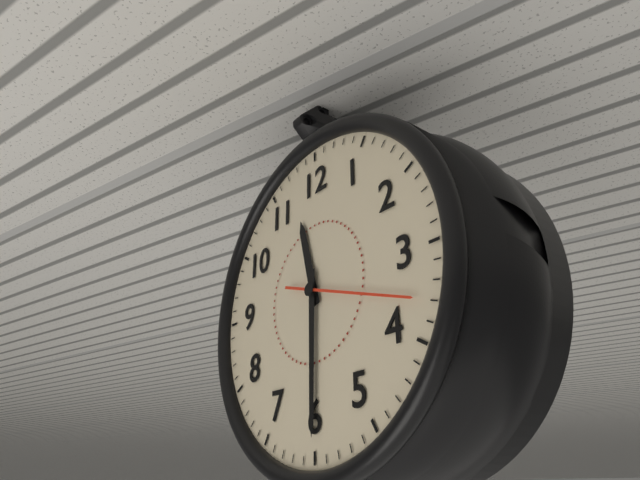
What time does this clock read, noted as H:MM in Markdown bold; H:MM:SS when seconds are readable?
**11:30:18**
